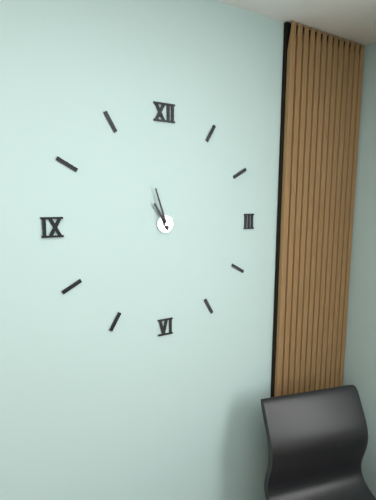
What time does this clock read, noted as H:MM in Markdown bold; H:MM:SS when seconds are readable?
**10:57**
